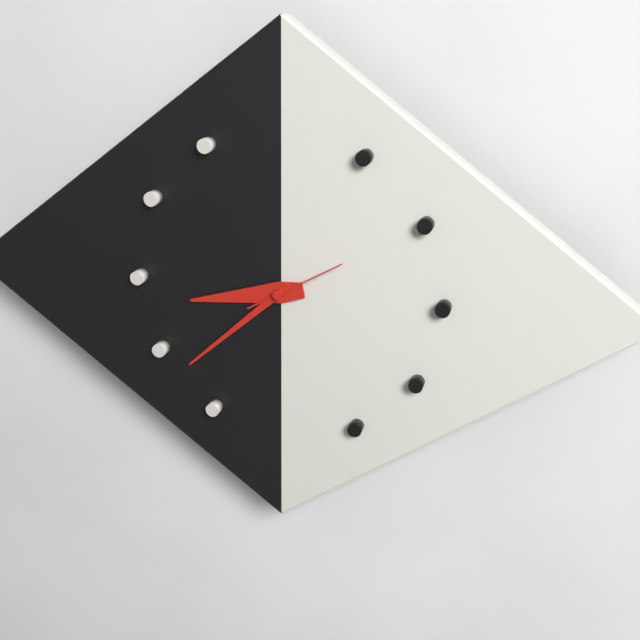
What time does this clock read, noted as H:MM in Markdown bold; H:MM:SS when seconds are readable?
**8:38:10**
